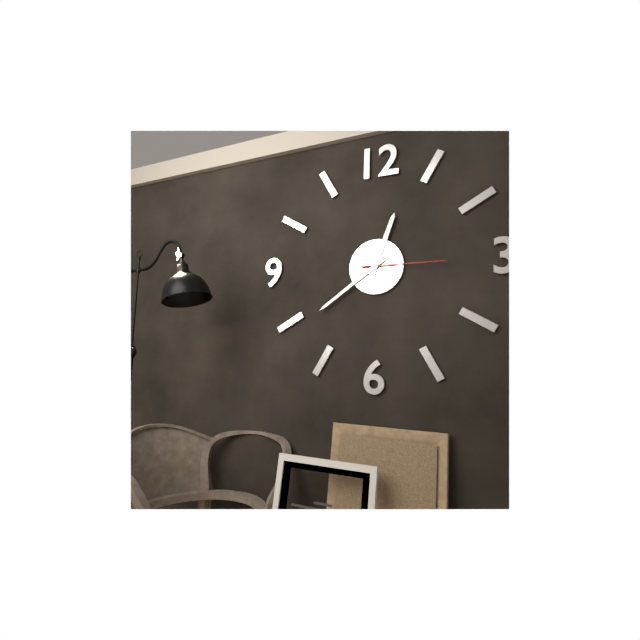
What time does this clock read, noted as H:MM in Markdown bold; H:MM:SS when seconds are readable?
**12:39:15**
